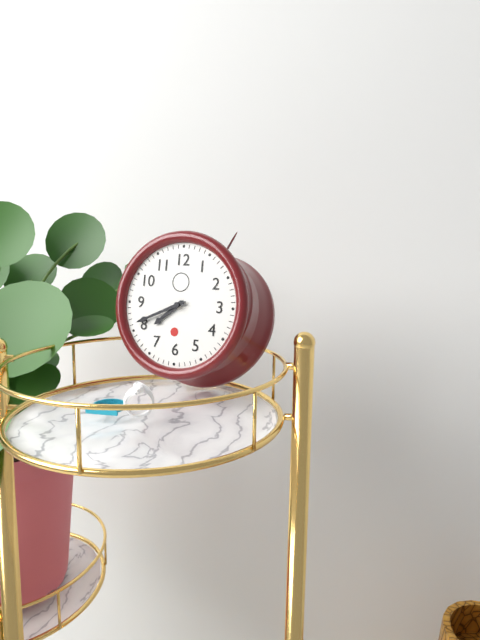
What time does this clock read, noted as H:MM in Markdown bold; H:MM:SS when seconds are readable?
**7:41**
